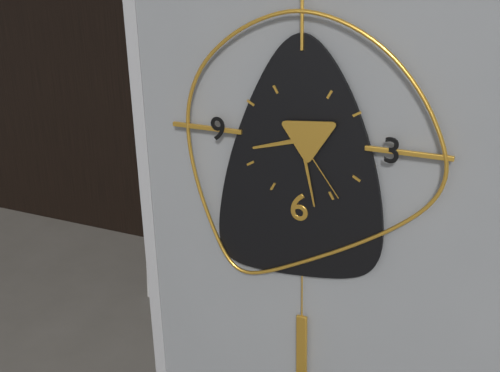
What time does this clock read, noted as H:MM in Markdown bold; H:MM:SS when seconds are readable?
**8:28:24**
